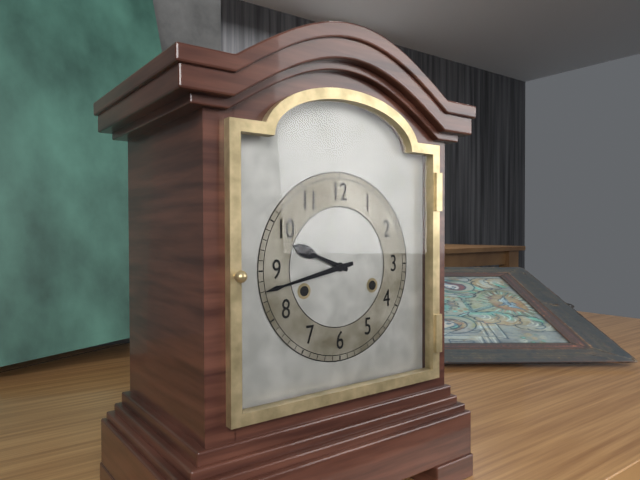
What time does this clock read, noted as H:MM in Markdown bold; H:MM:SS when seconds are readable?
**9:43**
